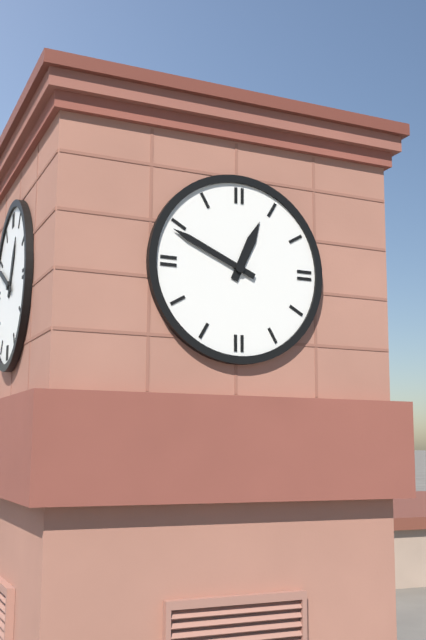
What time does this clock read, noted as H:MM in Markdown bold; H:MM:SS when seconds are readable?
**12:49**
